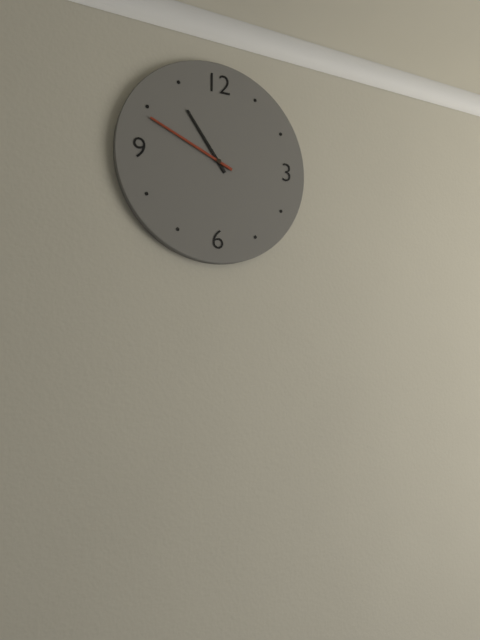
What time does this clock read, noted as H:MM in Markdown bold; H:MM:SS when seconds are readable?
**10:49**
